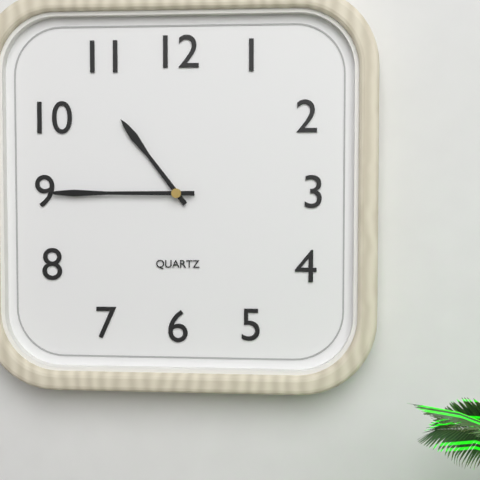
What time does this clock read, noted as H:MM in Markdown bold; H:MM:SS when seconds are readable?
**10:45**
